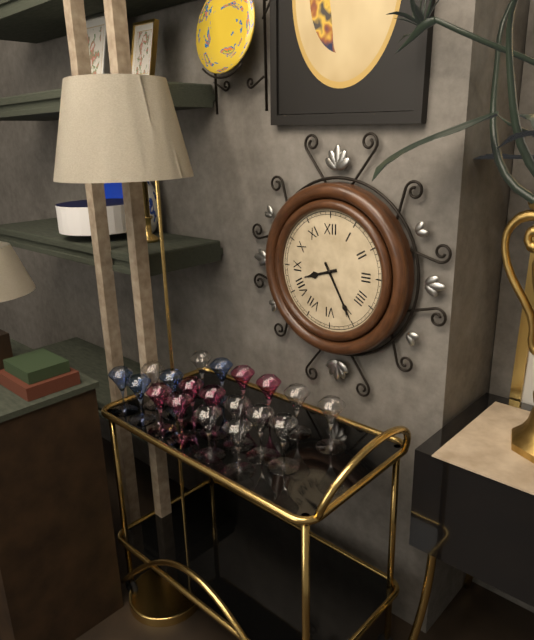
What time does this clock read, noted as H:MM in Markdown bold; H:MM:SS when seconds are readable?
**8:25**
